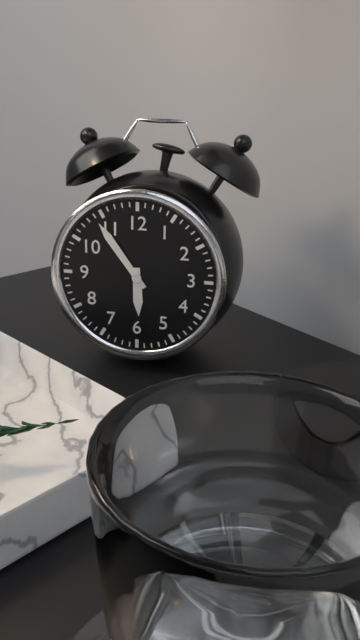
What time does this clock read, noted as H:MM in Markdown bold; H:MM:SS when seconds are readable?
**5:54**
